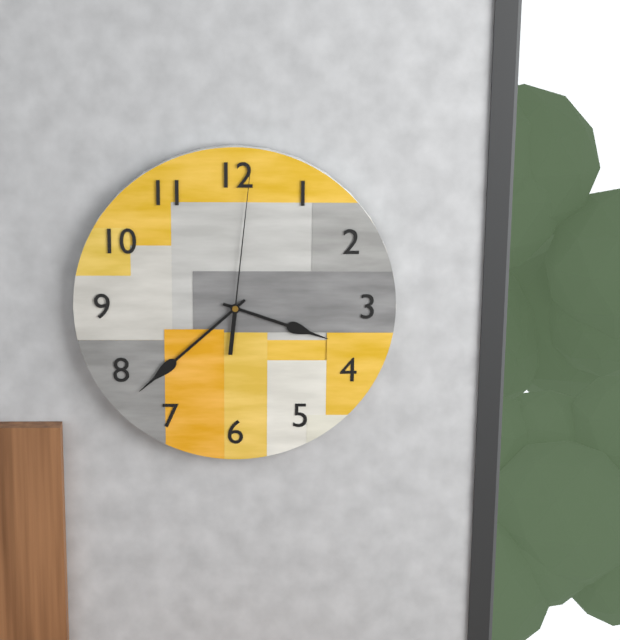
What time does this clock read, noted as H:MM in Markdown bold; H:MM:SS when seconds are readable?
**3:38:01**
